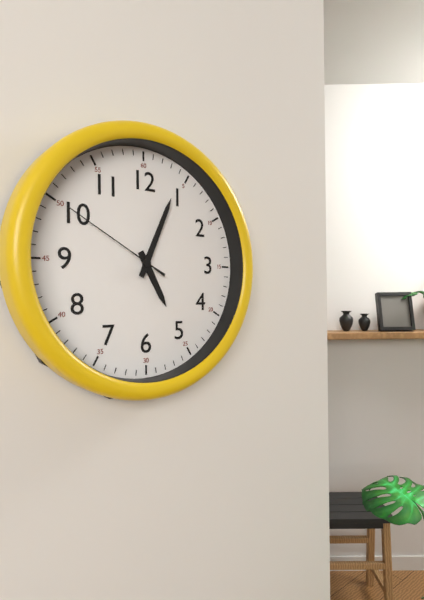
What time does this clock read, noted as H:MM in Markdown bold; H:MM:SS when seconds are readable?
**5:04:50**
